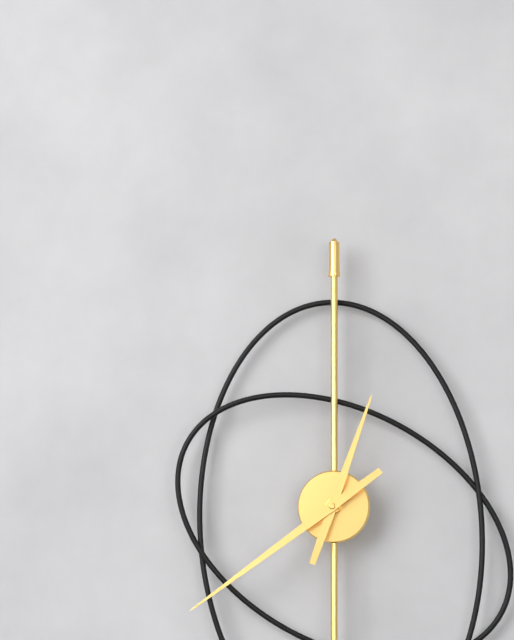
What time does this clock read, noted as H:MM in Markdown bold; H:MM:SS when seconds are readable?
**12:39**
